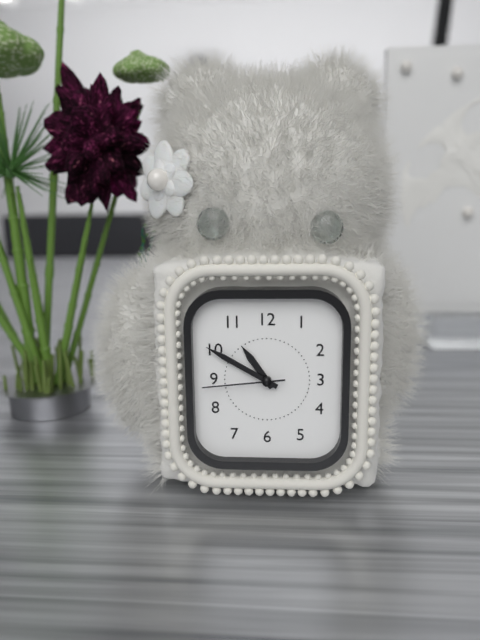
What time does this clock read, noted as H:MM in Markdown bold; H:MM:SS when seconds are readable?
**10:50:44**
